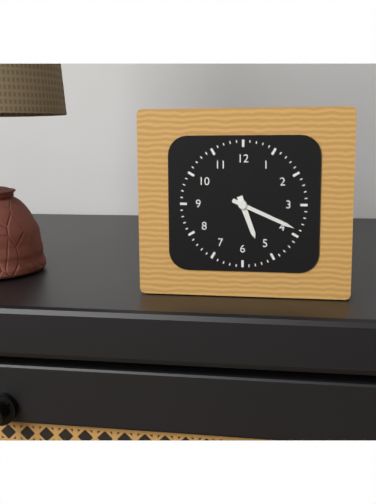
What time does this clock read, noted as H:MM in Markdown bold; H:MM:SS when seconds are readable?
**5:19**
